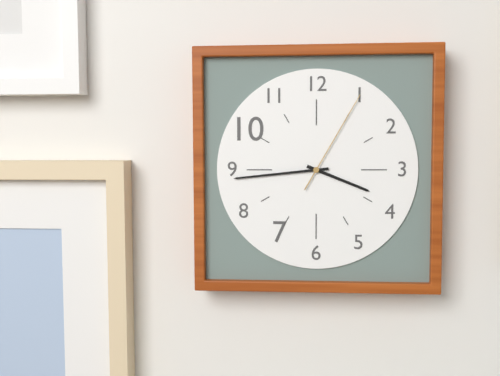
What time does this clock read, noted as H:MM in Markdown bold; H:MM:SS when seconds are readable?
**3:44:05**
